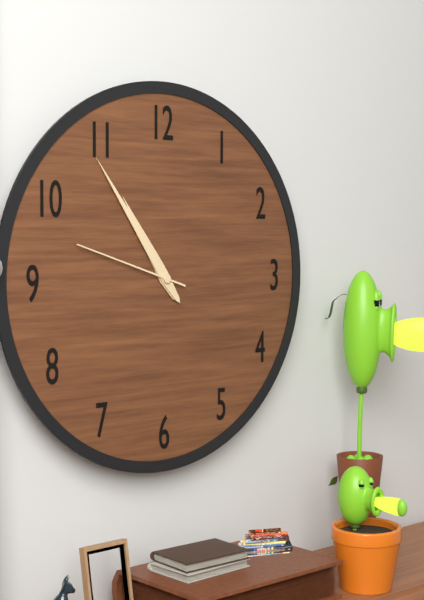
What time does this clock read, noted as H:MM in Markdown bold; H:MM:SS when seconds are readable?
**10:54:48**
